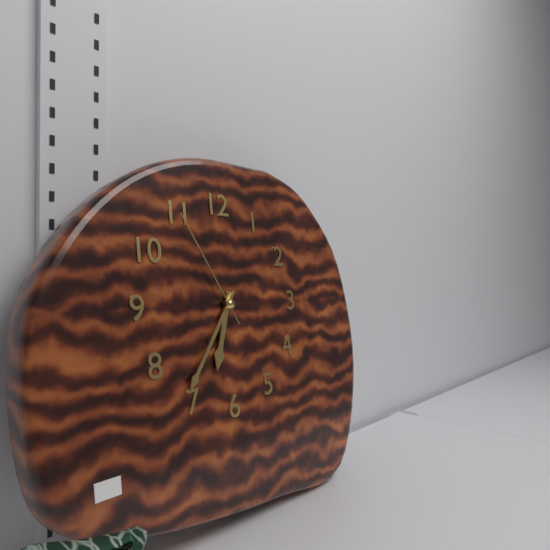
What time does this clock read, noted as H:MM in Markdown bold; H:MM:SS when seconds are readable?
**6:36:55**
